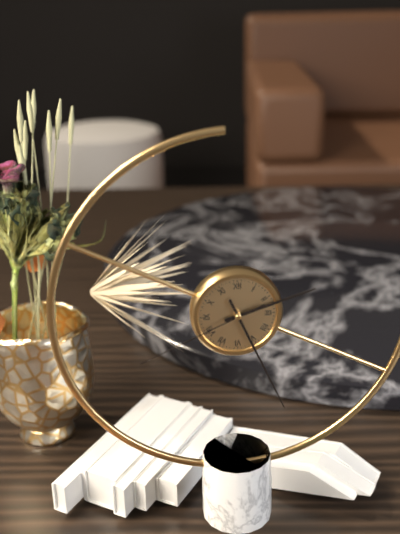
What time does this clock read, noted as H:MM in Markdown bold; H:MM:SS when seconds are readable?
**2:26:41**
